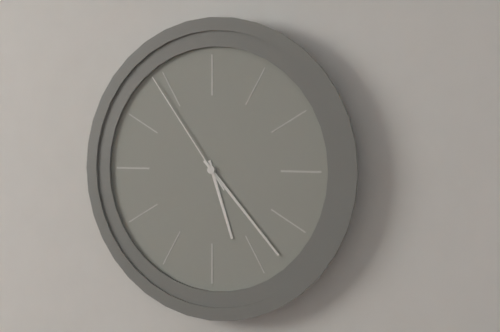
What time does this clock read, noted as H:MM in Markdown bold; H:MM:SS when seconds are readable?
**5:23:54**
